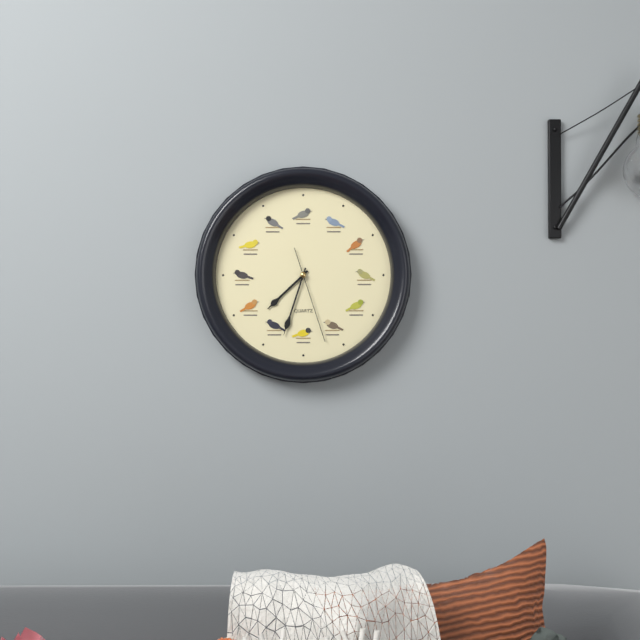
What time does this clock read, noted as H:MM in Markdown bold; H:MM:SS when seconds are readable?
**7:33:27**
